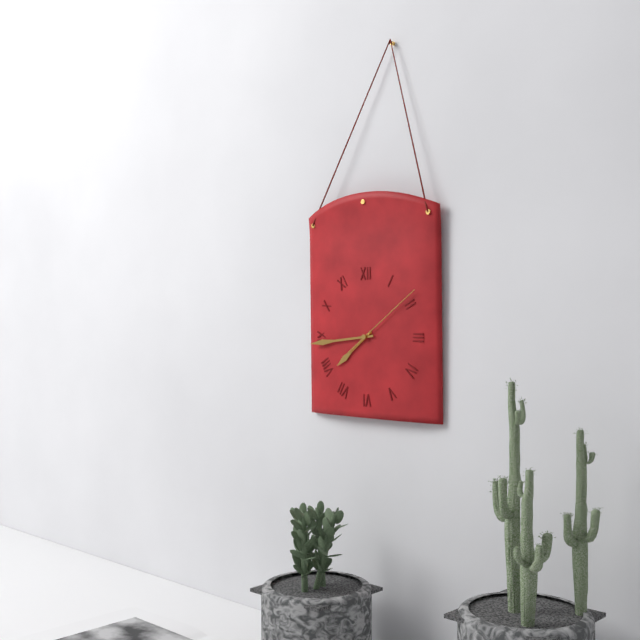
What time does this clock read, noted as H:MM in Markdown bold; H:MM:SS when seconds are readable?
**7:44:09**
